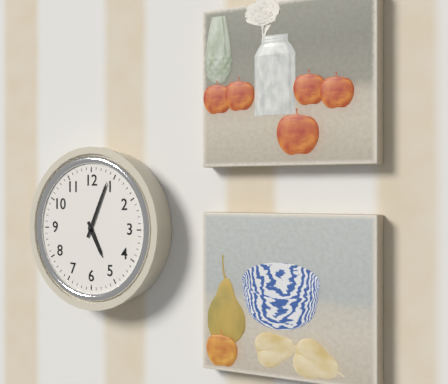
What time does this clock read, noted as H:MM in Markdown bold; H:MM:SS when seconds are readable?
**5:04**
